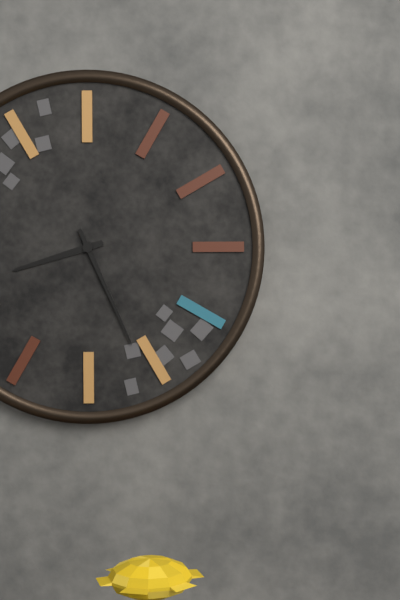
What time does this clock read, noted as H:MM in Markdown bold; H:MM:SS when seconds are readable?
**8:26**
